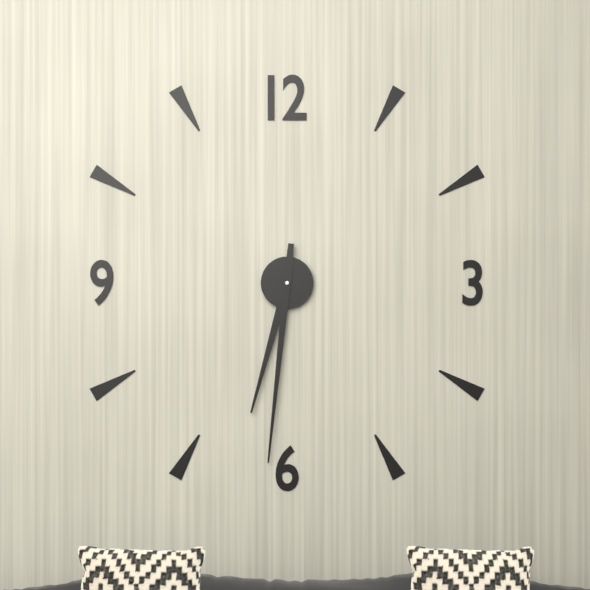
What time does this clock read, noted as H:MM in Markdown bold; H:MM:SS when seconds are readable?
**6:31**
